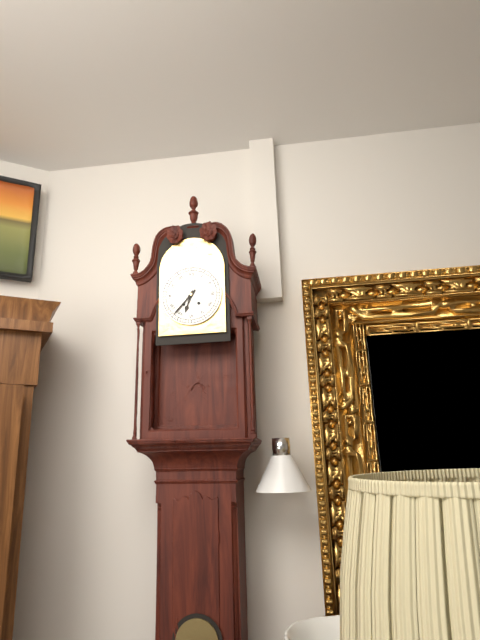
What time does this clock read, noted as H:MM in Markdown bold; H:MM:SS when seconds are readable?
**6:37**
